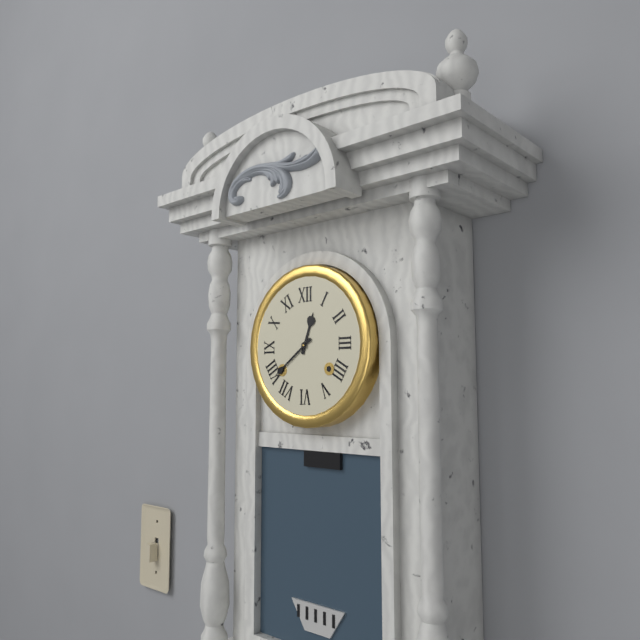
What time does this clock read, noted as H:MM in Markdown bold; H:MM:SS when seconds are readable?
**12:39**
